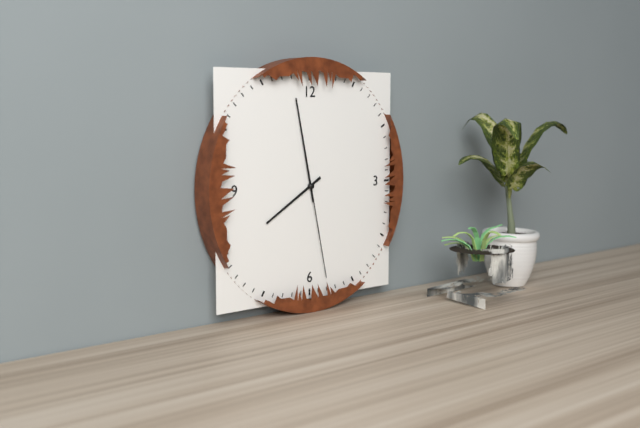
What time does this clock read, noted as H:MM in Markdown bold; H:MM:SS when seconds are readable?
**7:58:28**
